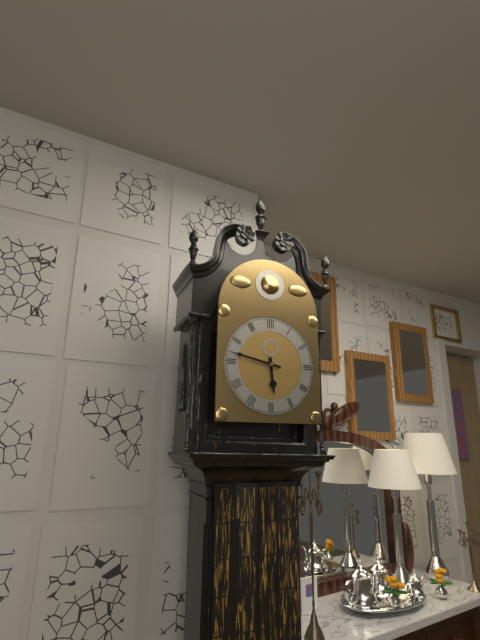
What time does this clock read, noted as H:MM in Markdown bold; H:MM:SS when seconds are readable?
**5:47**
